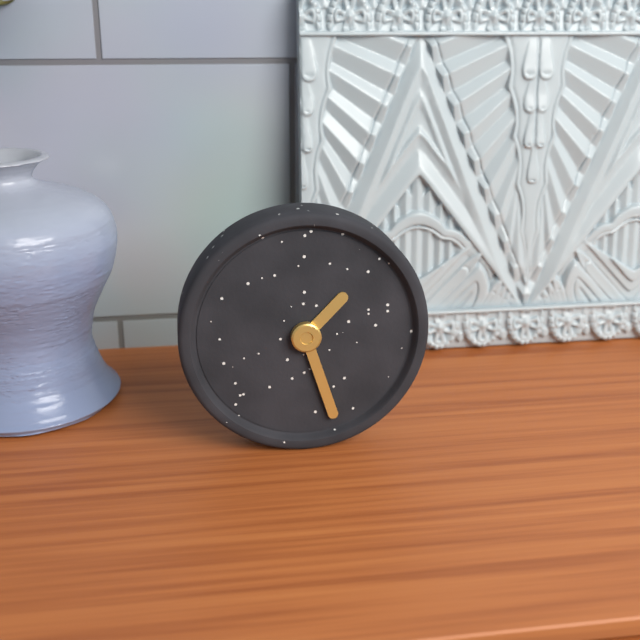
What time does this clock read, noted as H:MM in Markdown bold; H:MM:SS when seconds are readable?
**1:27**
